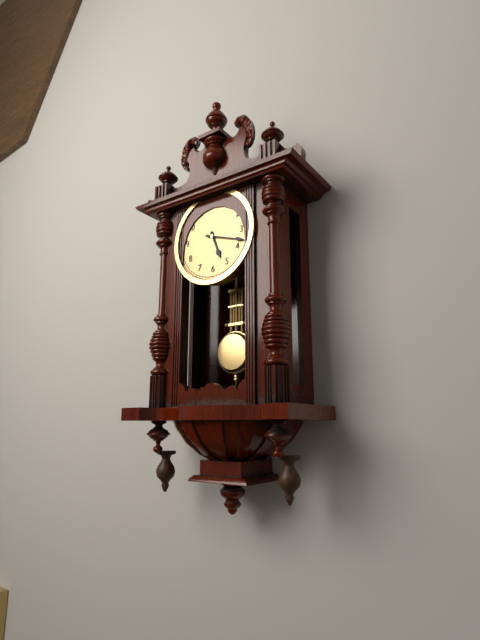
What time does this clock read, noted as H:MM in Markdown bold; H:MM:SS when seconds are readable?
**5:18**
